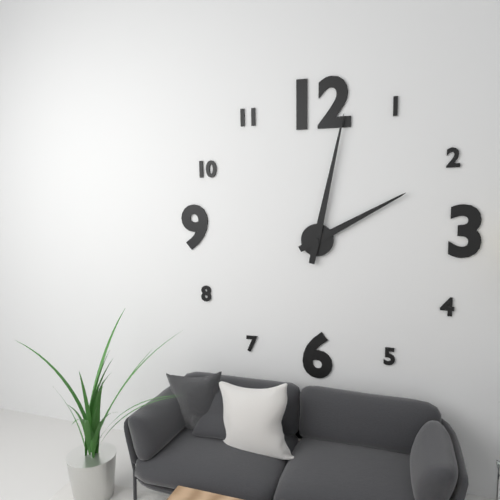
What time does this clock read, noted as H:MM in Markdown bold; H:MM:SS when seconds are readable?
**2:02**
